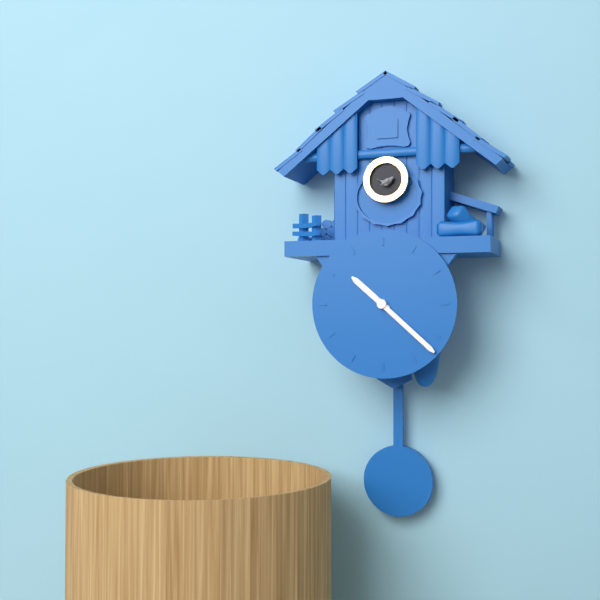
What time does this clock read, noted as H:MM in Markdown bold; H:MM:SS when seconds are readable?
**10:22**
